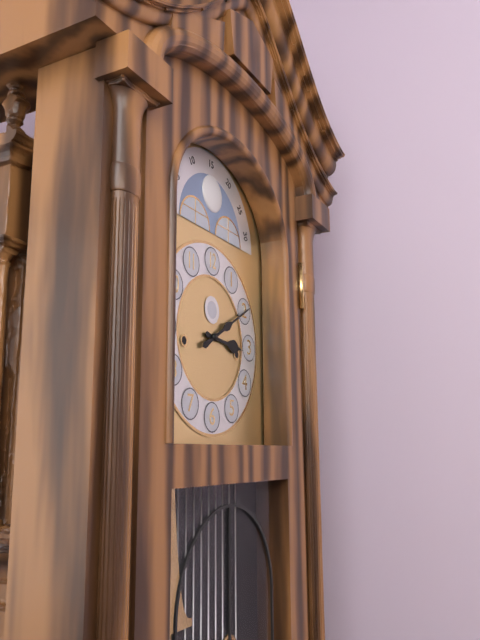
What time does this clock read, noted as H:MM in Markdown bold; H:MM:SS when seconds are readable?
**3:10**
